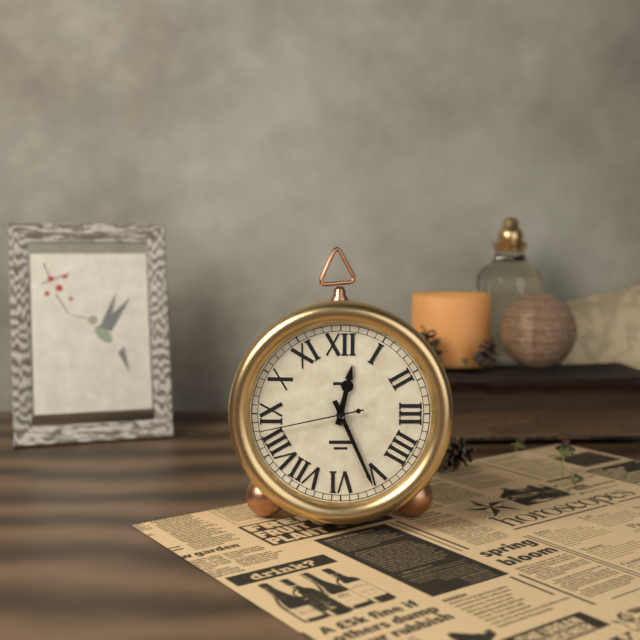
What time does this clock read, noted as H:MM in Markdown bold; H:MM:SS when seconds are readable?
**12:26:43**
